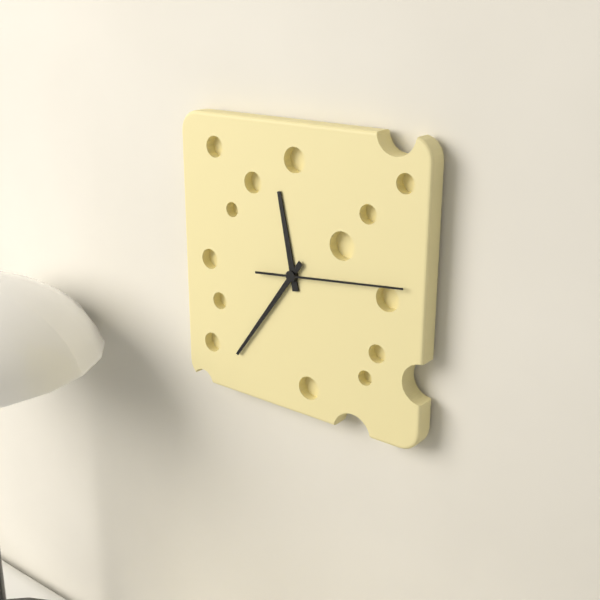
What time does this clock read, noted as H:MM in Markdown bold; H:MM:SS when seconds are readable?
**11:36:14**
